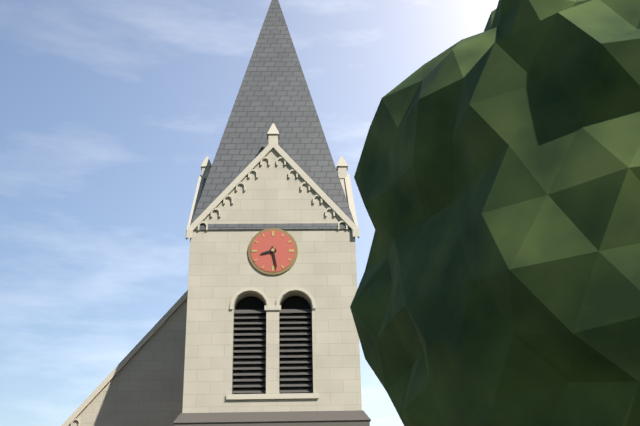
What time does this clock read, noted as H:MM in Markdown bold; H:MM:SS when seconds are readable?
**8:28**
